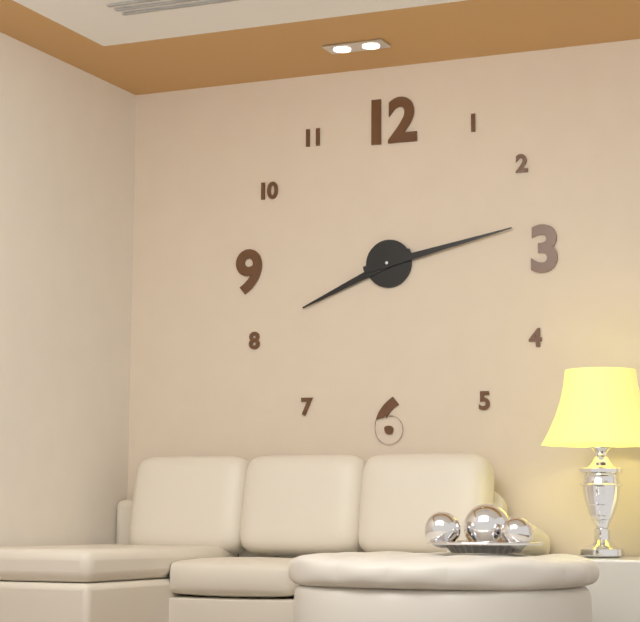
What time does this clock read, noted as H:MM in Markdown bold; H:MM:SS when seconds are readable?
**8:13**
